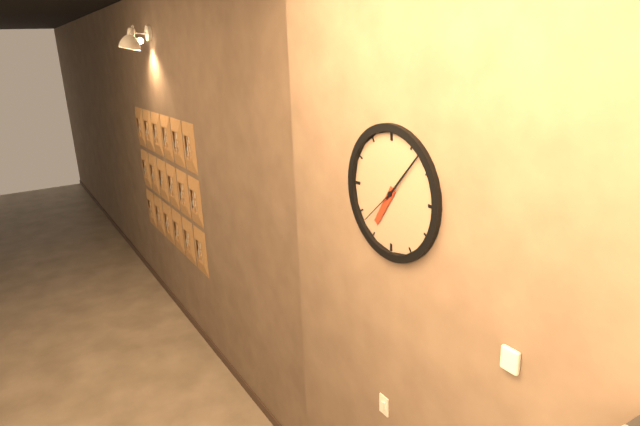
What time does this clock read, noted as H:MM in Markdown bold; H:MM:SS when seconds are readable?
**7:07**
